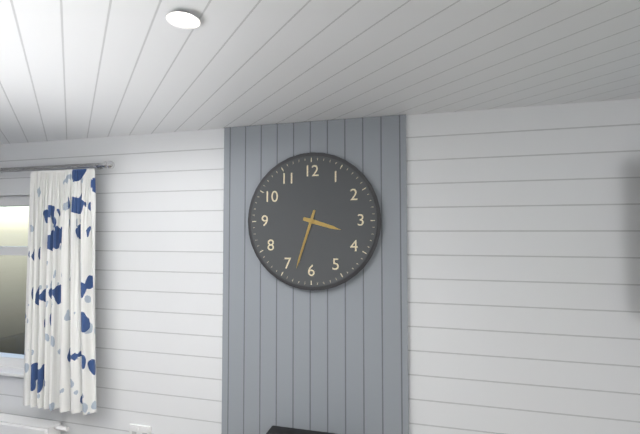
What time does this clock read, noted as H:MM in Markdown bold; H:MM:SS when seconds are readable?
**3:33**
